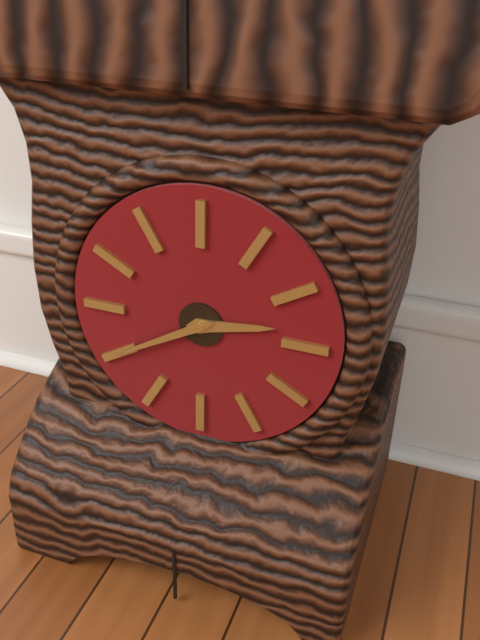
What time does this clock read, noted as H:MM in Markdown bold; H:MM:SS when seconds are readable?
**2:40**
